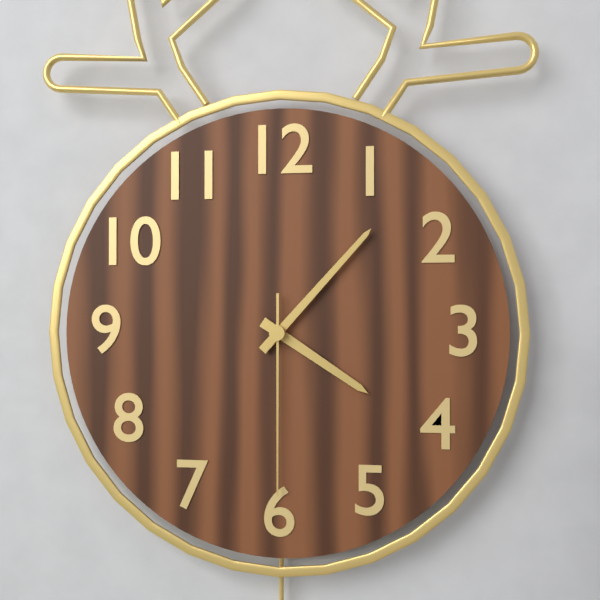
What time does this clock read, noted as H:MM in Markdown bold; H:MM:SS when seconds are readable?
**4:07:30**
